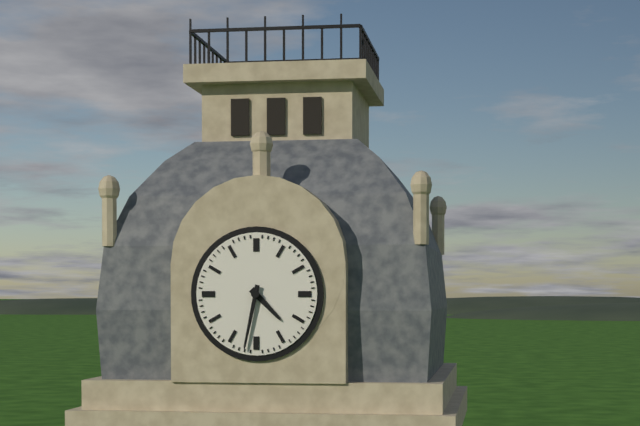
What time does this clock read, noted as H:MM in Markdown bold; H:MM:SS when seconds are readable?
**4:32**
